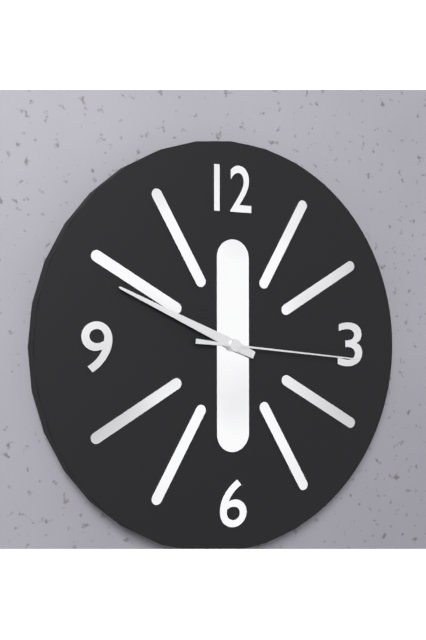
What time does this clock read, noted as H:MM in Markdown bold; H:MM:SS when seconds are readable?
**9:49:16**
